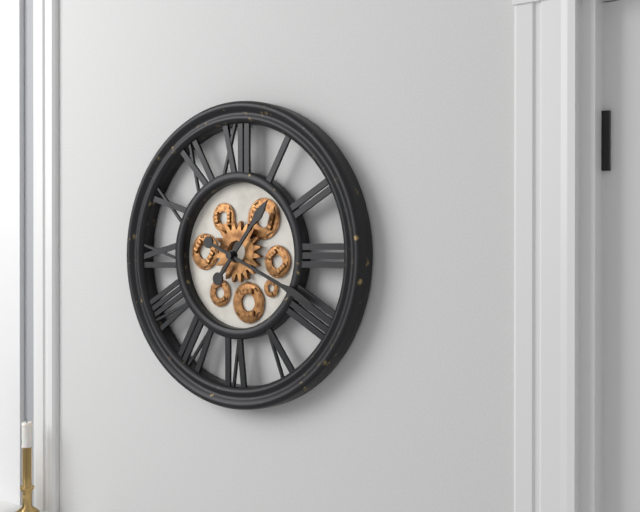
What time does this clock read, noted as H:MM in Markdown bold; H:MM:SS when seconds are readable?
**1:19**
